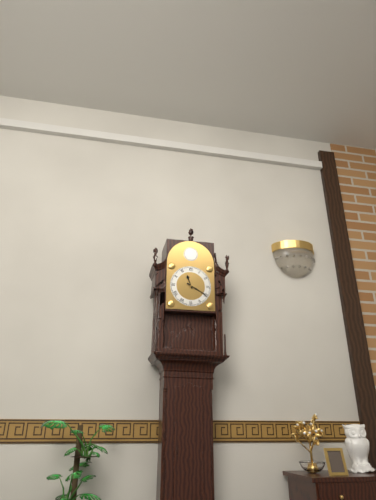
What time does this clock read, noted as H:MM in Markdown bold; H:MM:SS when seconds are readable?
**11:20**
